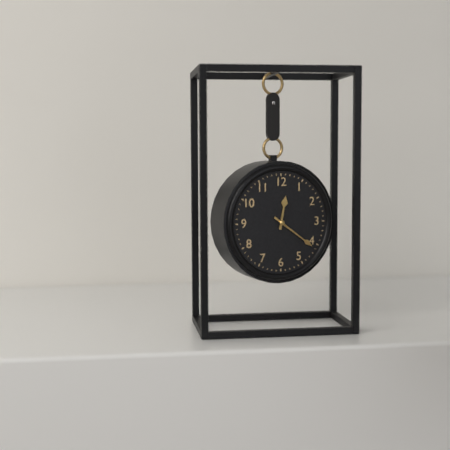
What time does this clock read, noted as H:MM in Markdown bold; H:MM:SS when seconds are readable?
**12:21**
